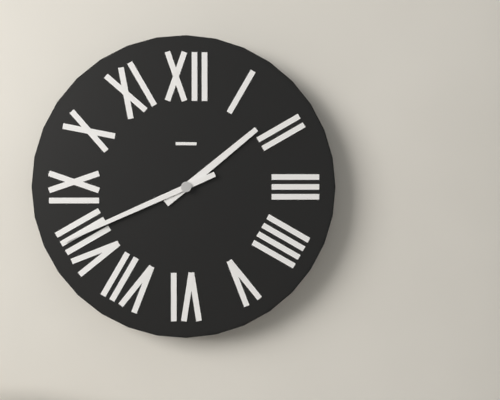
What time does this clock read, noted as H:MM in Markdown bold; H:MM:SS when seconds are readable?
**1:41**
